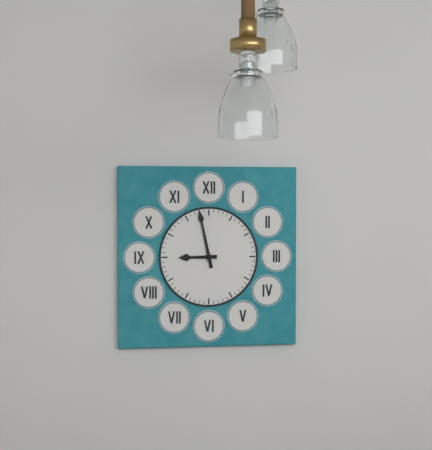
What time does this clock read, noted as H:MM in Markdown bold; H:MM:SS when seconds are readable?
**8:58**
